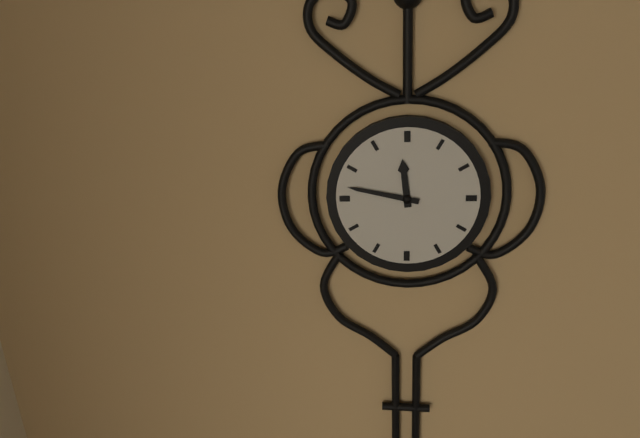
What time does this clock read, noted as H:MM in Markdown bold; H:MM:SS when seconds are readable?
**11:47**
